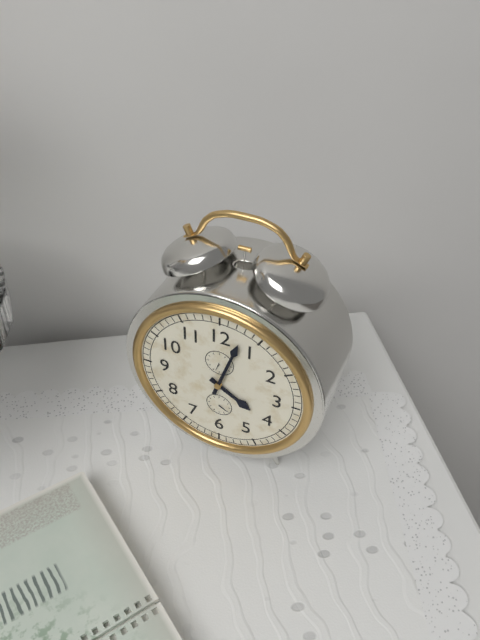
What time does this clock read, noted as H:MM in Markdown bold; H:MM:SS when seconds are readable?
**4:03**
